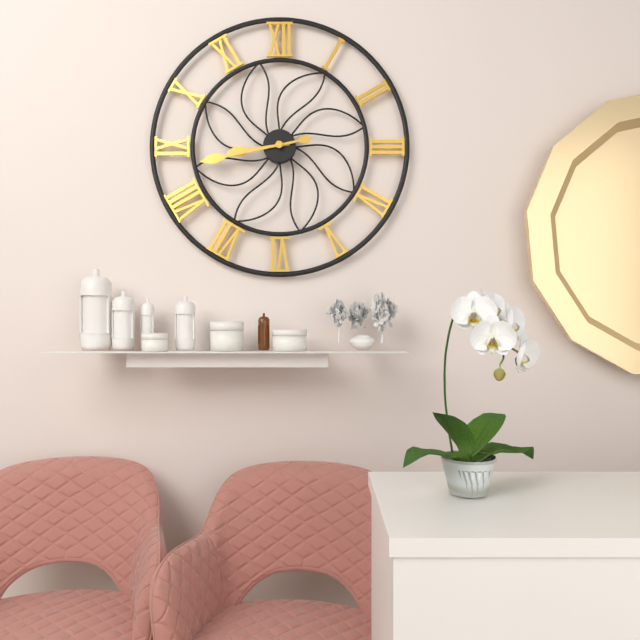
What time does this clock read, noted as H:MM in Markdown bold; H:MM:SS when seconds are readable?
**8:43**
